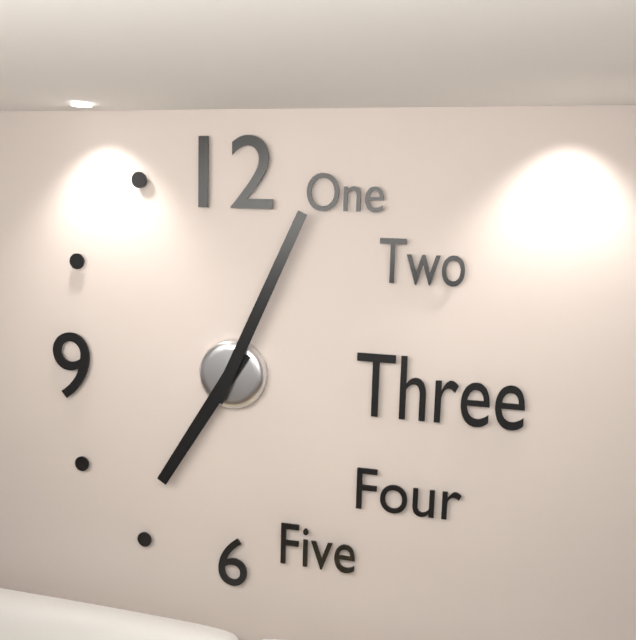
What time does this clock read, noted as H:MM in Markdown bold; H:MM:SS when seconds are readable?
**7:04**
